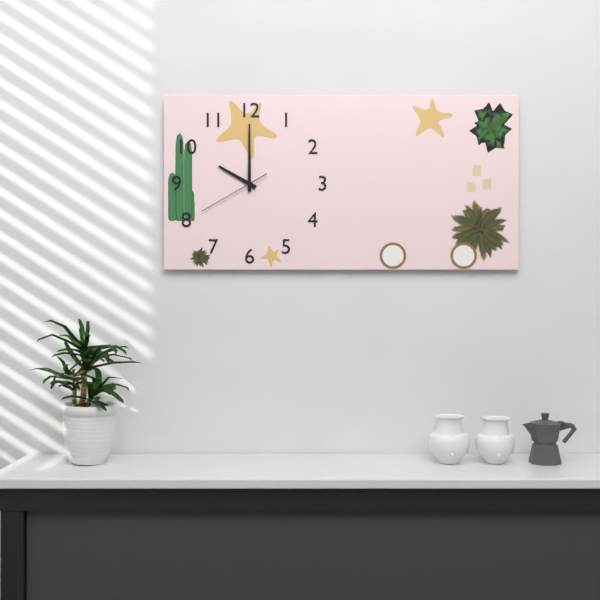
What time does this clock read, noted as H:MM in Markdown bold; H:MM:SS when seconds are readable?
**10:00:40**
